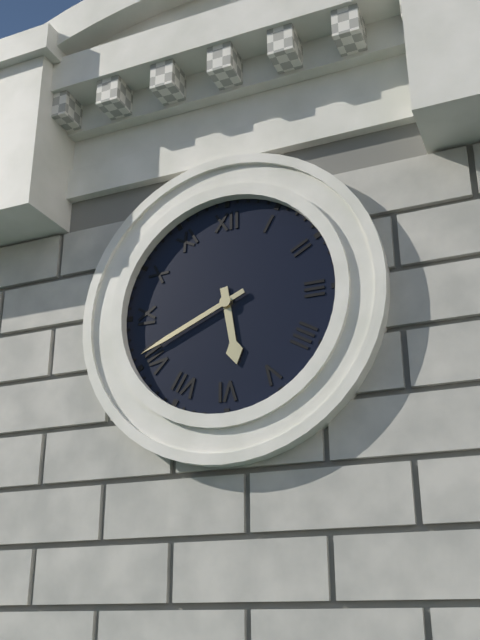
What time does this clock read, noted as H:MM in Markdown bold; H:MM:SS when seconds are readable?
**5:41**
